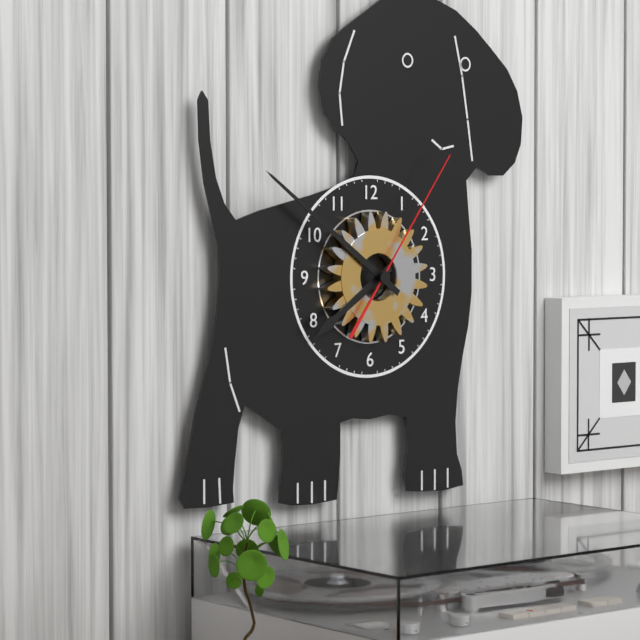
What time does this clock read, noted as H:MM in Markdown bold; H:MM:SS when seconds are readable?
**7:51:06**
